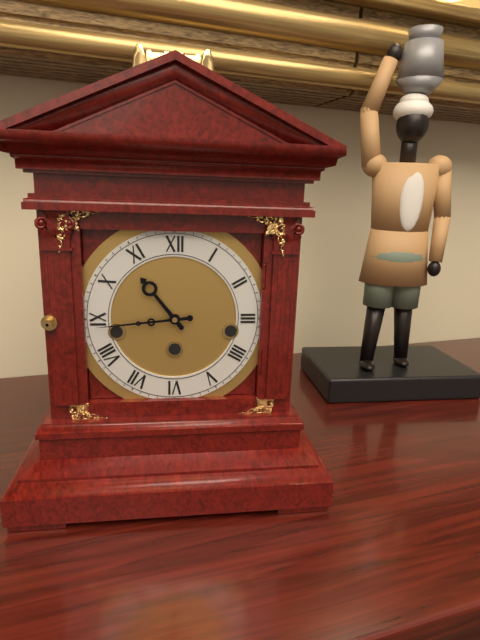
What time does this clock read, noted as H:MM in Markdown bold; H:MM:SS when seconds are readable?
**10:44**
